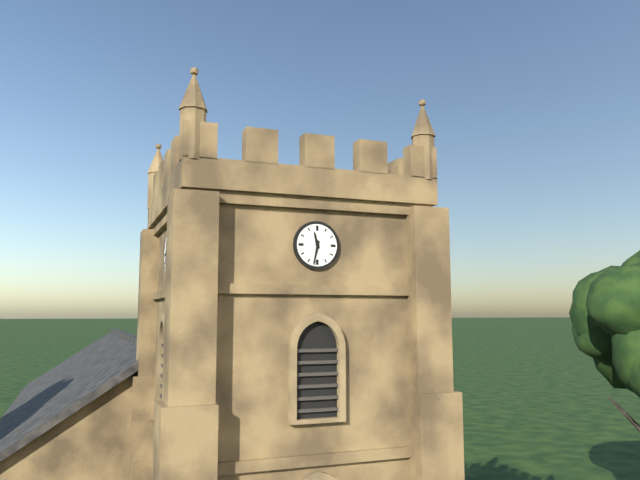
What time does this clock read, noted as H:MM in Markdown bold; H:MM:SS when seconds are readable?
**11:32**
